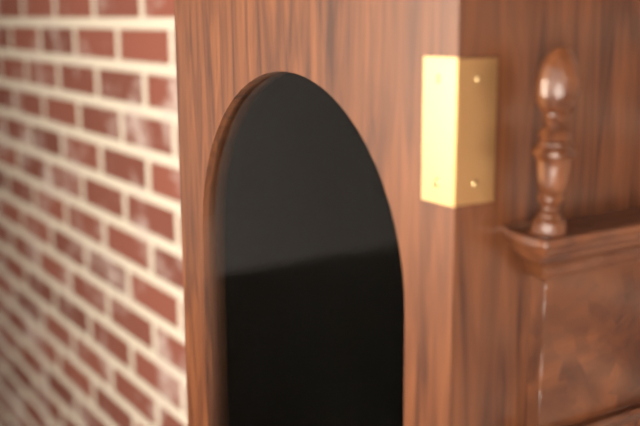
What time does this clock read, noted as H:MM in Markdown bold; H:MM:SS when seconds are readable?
**10:33**
